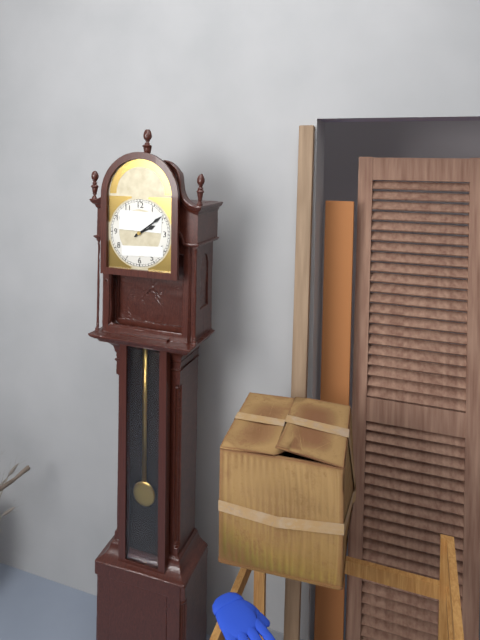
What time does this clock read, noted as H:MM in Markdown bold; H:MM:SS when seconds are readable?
**2:09**
